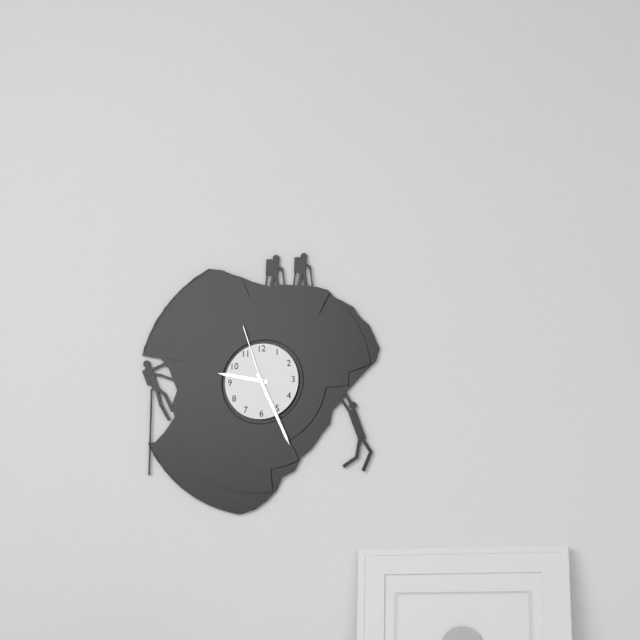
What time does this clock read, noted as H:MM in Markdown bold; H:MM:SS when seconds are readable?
**9:26:57**
